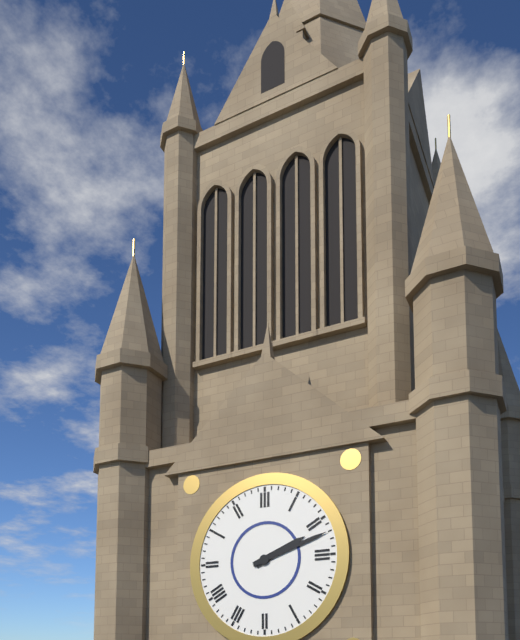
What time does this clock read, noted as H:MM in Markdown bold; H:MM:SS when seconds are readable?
**2:12**
